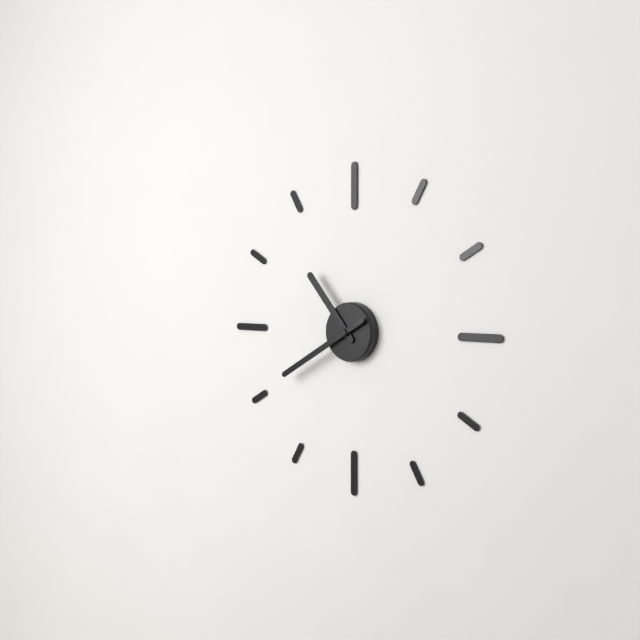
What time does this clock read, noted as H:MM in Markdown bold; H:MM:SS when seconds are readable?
**10:40**
